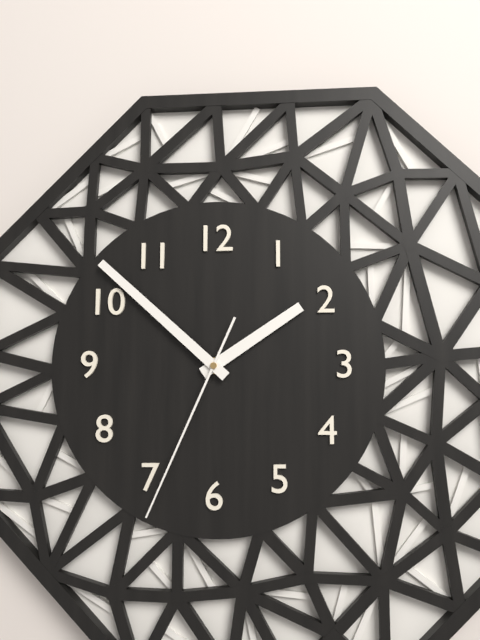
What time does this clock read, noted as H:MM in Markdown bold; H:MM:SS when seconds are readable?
**1:52:34**
